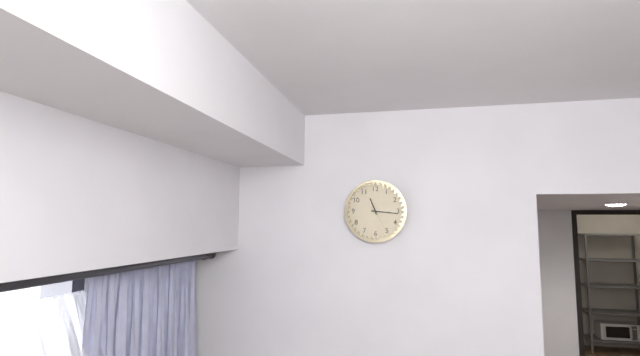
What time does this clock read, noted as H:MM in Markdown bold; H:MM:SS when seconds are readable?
**11:16**
